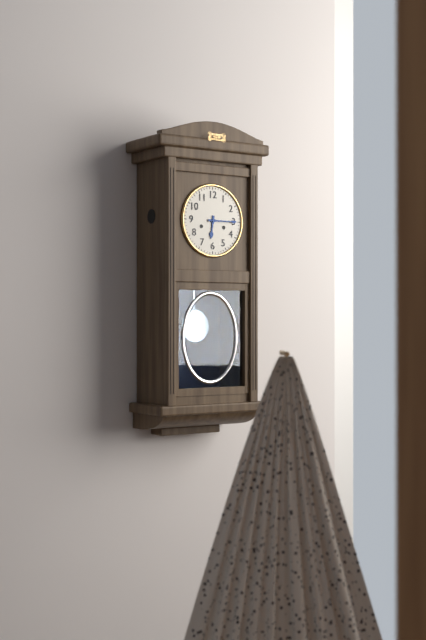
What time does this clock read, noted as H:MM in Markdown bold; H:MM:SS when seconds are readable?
**6:15**
